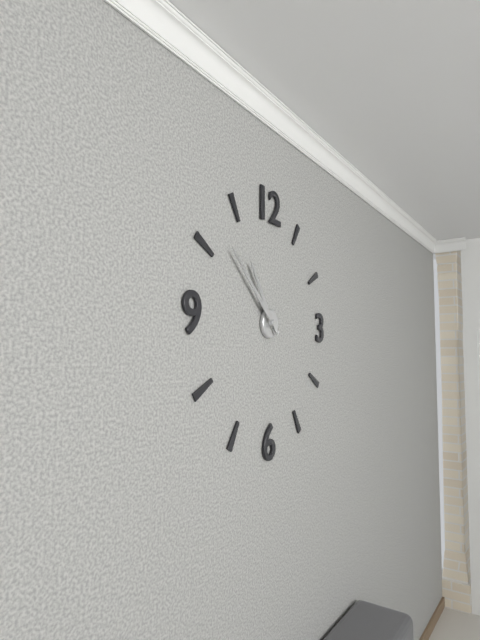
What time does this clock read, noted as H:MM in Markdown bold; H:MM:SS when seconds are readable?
**10:52**
